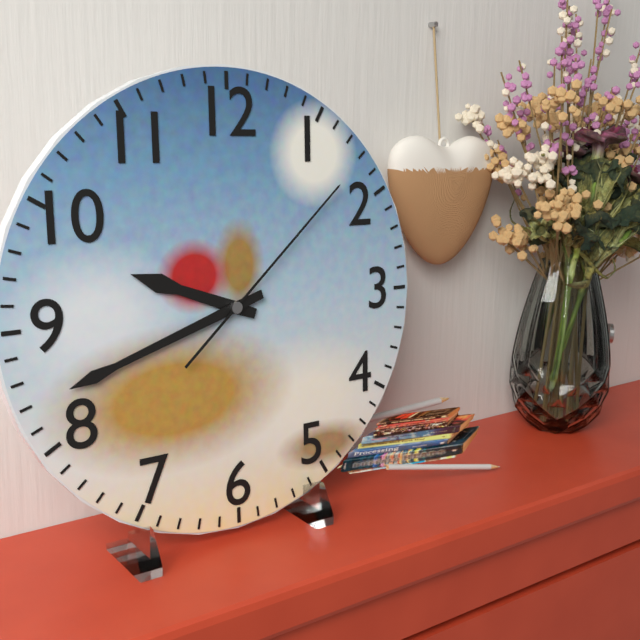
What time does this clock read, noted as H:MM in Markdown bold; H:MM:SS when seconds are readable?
**9:42:08**
